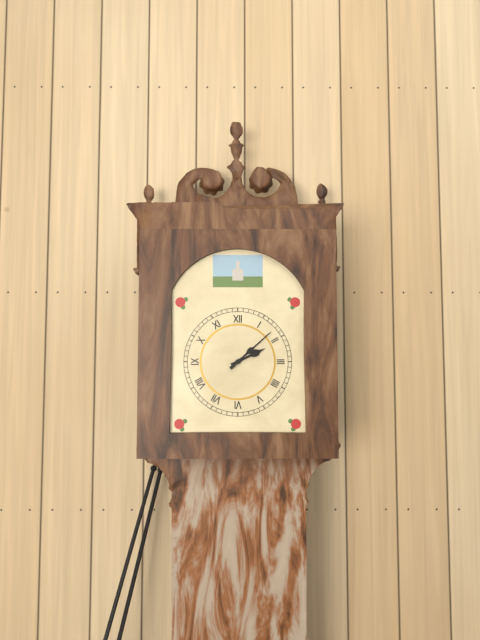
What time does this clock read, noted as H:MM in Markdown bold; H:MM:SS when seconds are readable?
**2:08**
